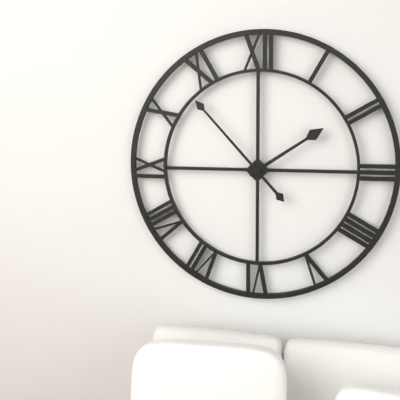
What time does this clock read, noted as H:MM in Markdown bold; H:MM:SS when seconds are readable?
**1:53**
